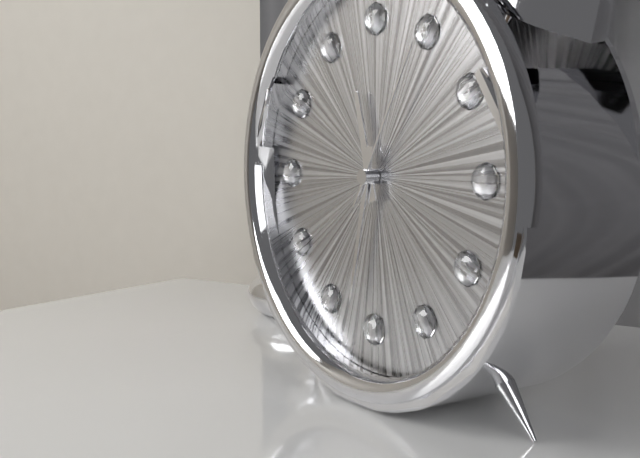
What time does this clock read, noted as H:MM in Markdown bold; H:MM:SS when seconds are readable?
**11:32:05**
